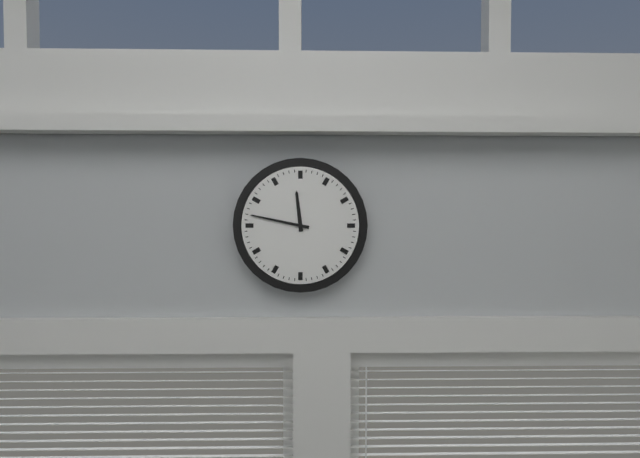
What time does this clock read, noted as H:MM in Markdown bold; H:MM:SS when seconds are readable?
**11:47**
